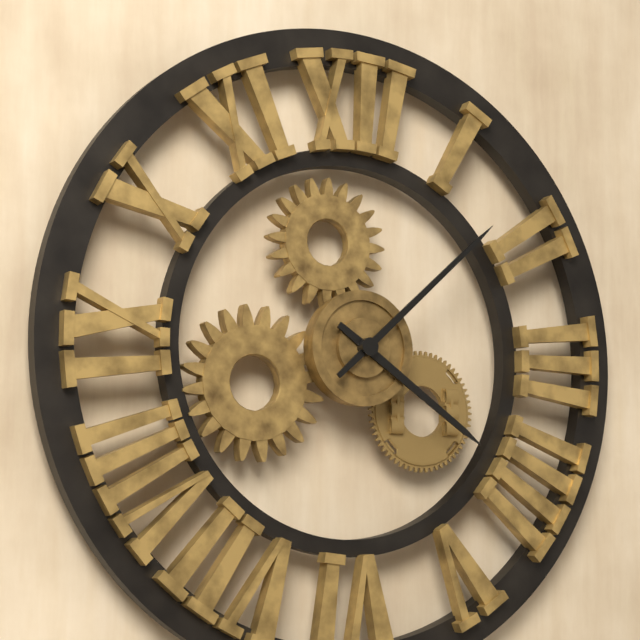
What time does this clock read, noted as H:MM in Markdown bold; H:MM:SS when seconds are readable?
**4:08**
